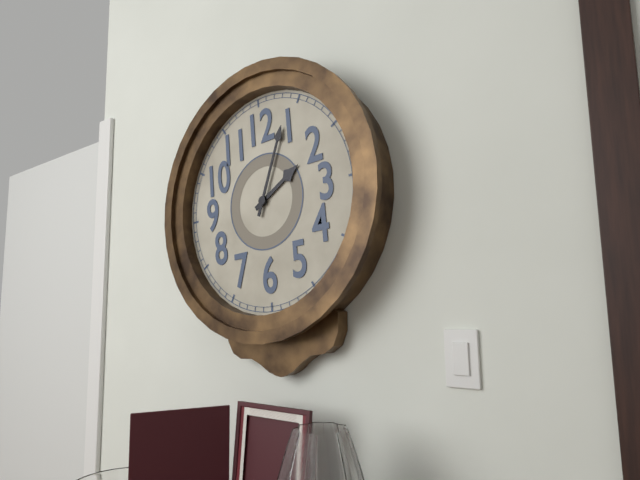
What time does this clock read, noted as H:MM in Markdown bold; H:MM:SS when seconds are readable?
**2:04**
